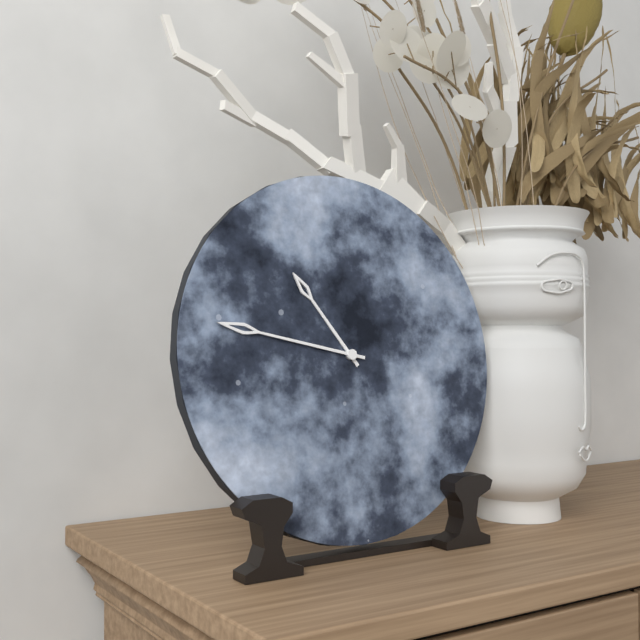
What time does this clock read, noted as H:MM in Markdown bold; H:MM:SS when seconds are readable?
**10:47**
